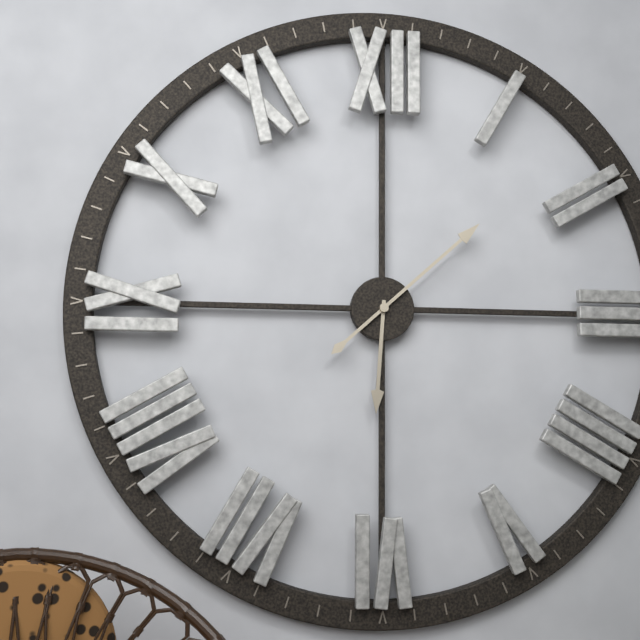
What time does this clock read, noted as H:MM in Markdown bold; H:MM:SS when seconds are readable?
**6:08**
